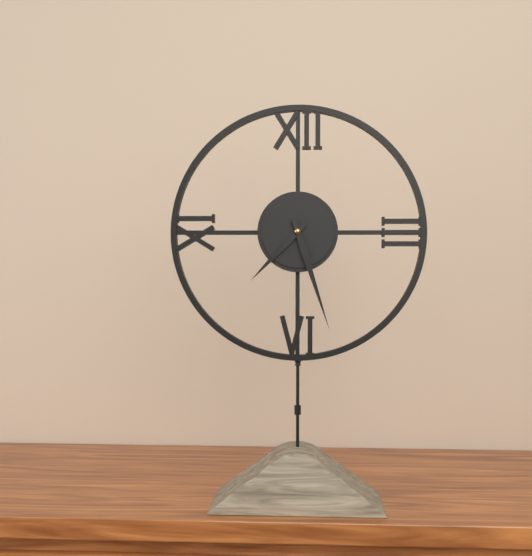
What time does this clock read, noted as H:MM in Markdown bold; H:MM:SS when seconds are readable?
**7:27**
